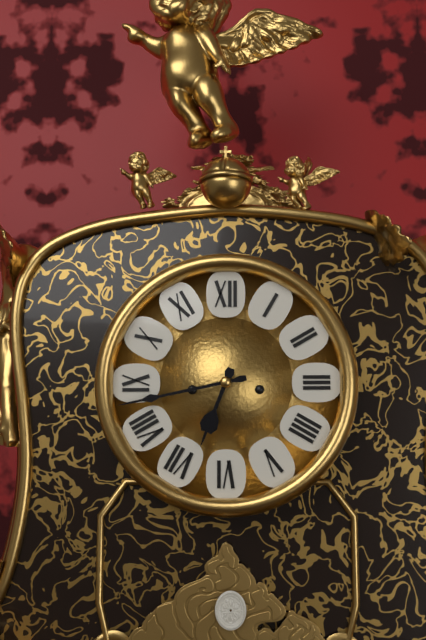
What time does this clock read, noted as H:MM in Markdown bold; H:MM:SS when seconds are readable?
**6:43**
